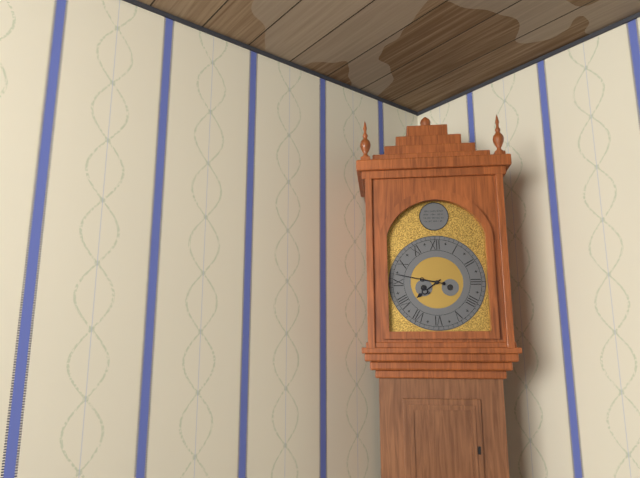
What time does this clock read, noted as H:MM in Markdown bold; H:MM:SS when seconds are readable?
**7:47**
